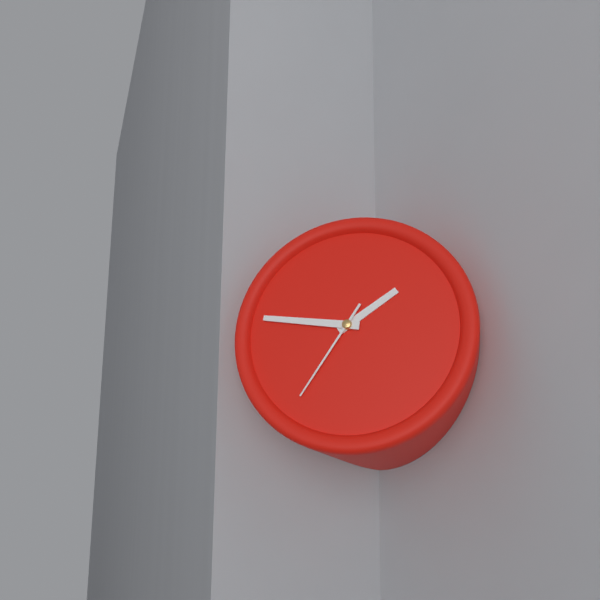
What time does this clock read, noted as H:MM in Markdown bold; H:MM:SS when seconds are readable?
**1:46:35**
